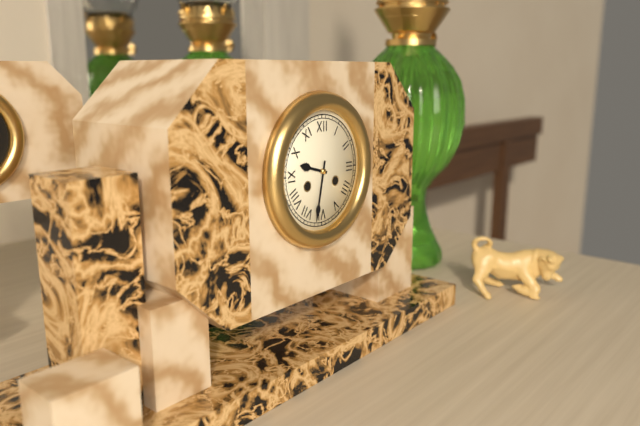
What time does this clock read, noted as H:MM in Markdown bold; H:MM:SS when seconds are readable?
**9:32**
